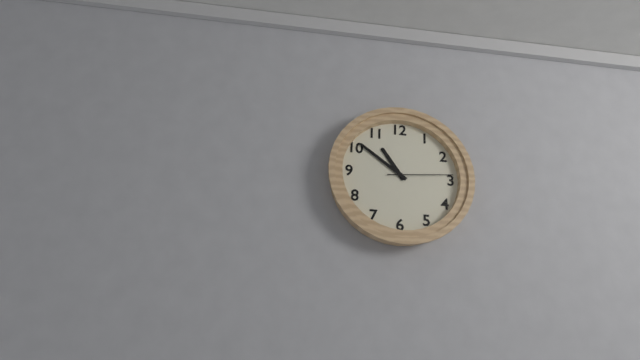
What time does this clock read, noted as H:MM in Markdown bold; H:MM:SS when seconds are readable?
**10:51:14**
